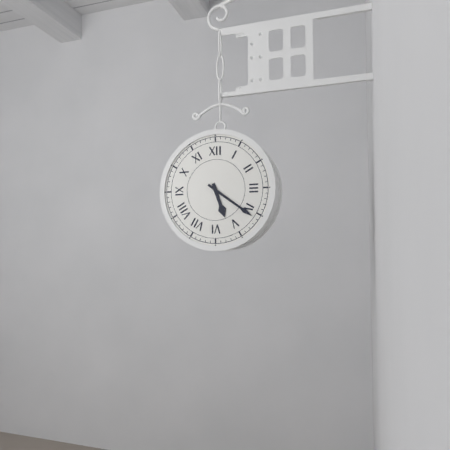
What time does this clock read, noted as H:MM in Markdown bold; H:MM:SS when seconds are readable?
**5:21**
